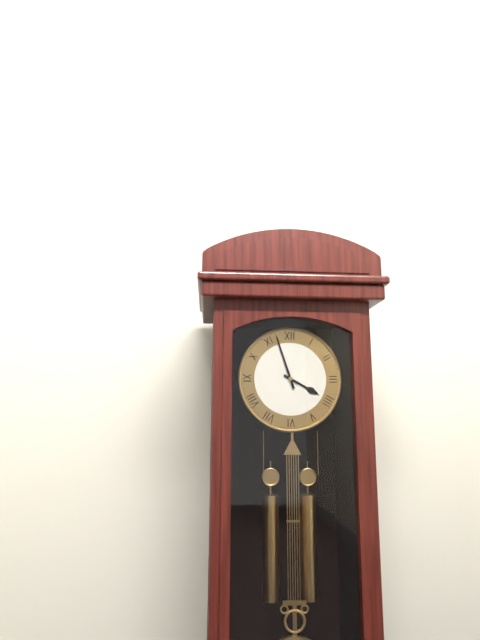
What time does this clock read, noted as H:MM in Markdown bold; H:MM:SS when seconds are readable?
**3:57**
